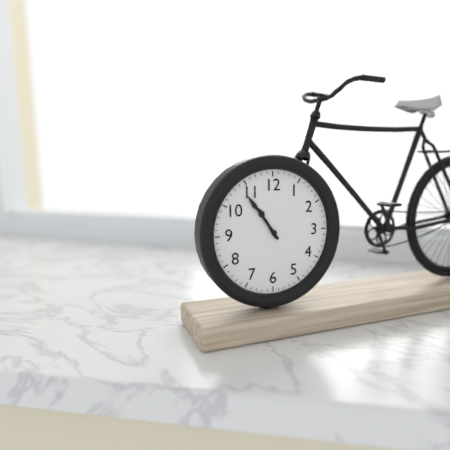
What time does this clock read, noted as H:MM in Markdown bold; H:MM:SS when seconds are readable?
**10:54**
